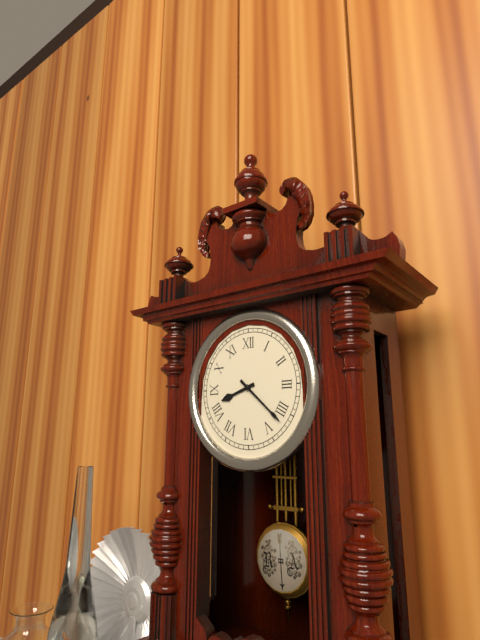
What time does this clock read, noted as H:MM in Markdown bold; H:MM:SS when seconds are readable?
**8:22**
